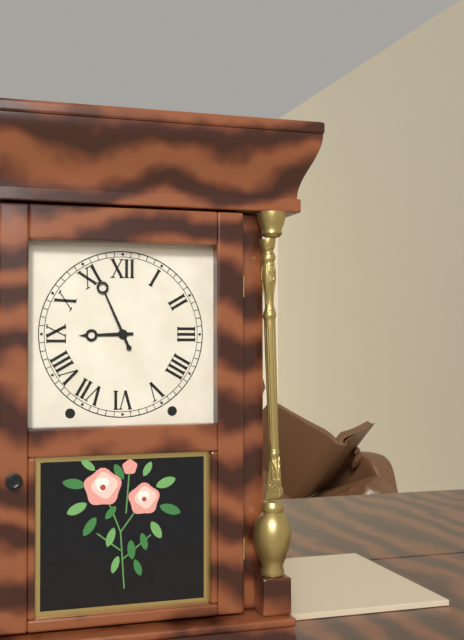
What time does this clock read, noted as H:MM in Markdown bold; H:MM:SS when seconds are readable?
**8:56**
